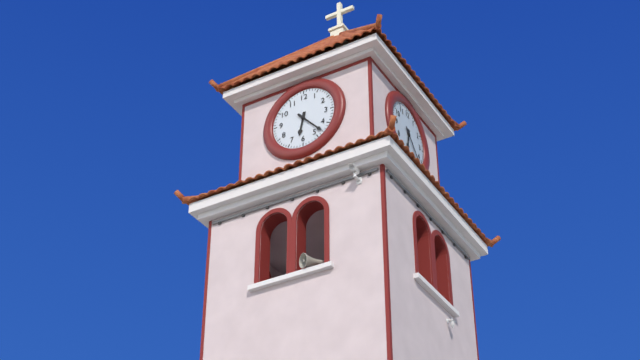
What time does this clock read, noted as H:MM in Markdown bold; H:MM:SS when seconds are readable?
**6:23**
